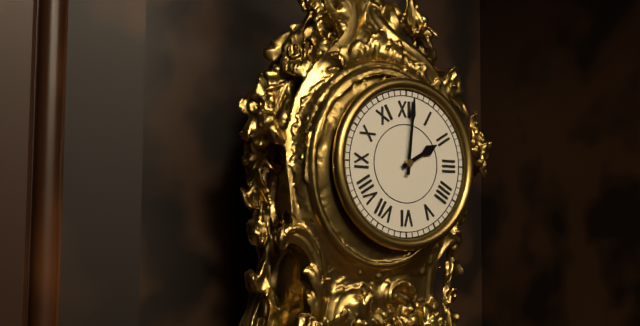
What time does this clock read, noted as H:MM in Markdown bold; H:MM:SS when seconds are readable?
**2:01**
